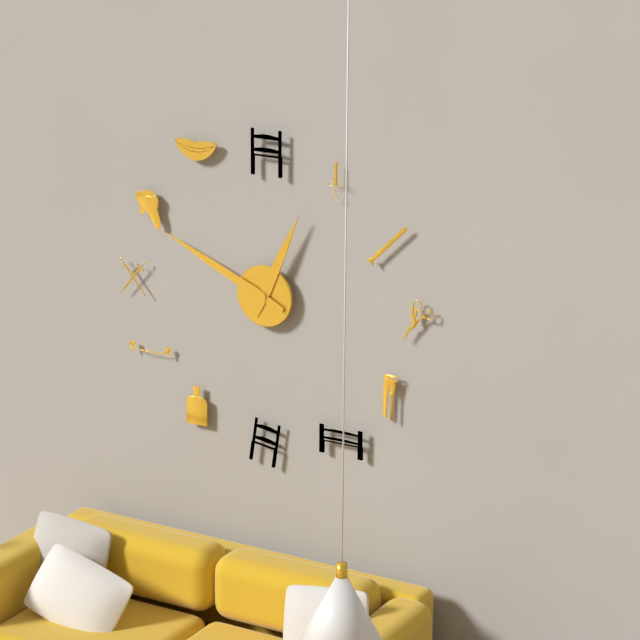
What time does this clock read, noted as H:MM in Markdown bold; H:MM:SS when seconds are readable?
**12:49**
